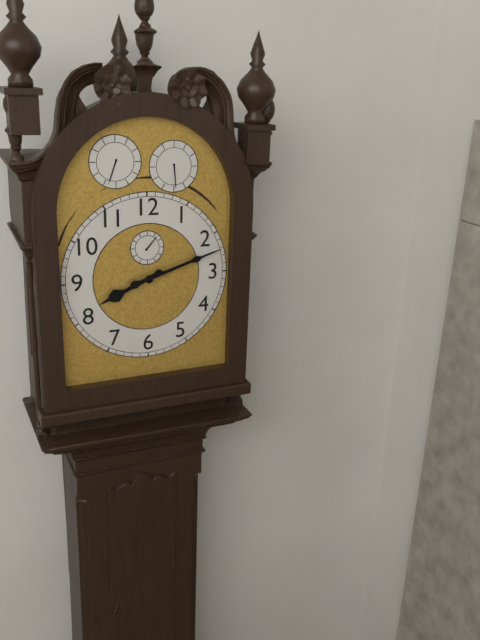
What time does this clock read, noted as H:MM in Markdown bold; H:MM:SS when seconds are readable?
**8:12**
